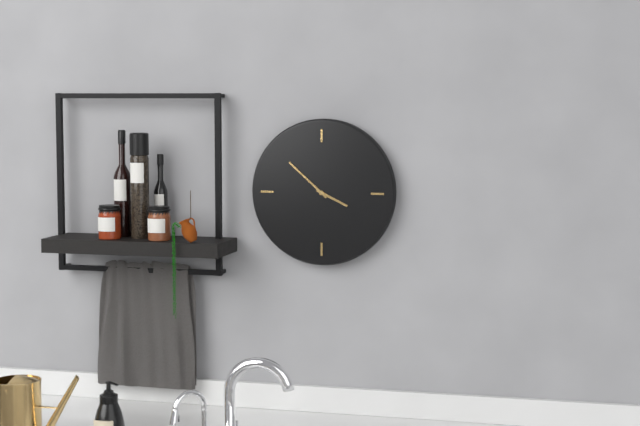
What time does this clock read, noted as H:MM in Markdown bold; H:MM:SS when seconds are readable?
**3:52**
